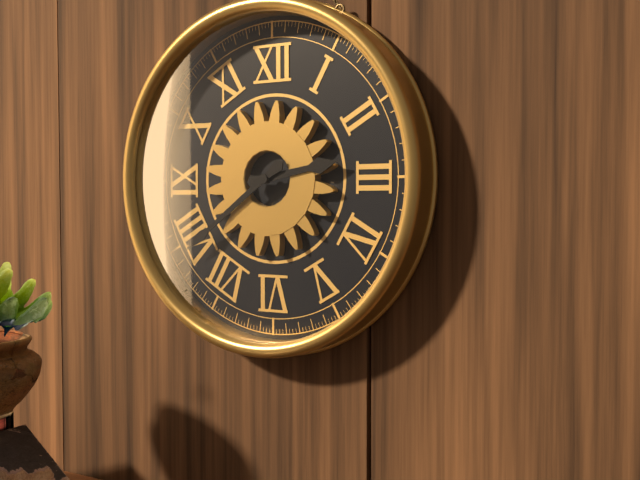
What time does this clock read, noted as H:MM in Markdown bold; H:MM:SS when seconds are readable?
**2:39**
